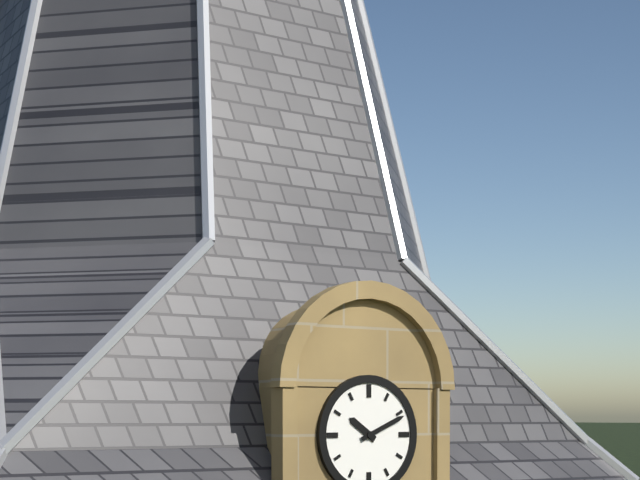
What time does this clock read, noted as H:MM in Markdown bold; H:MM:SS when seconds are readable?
**10:11**
